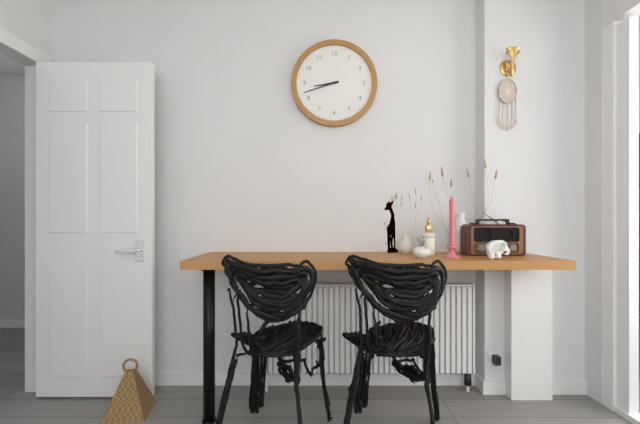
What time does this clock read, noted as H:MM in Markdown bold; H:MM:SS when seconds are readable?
**8:42**
